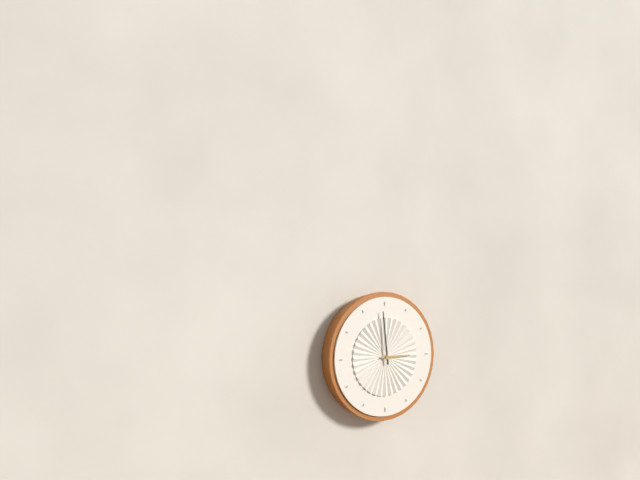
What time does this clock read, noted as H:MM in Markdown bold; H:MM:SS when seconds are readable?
**2:59**
